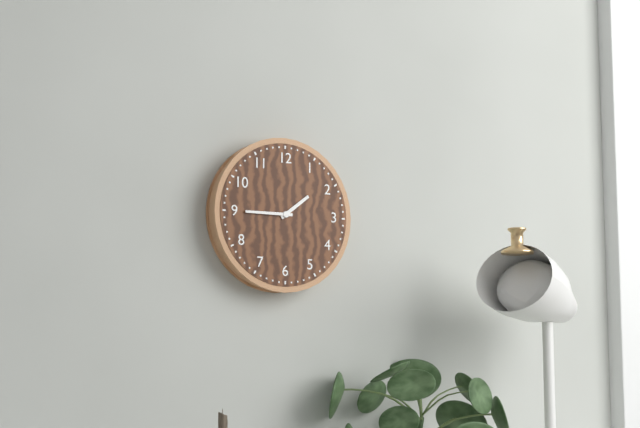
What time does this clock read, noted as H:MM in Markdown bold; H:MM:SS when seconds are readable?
**1:45**
